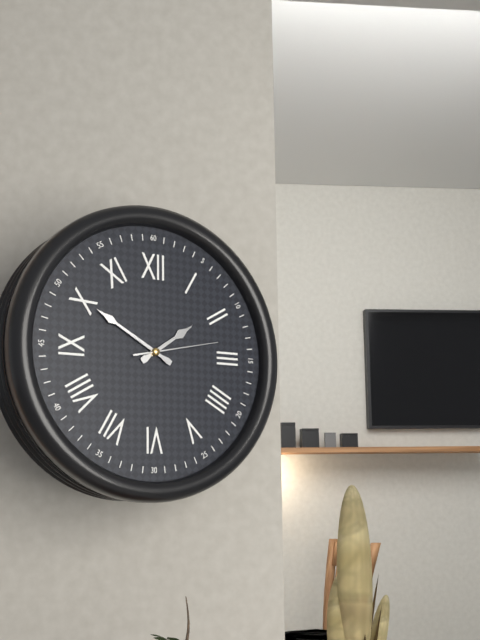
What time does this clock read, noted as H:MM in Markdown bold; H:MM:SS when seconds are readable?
**1:50:13**
